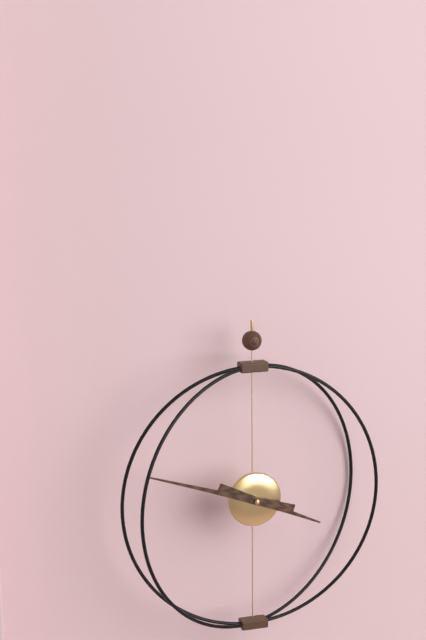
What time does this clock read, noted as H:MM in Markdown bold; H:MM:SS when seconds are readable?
**3:48**
